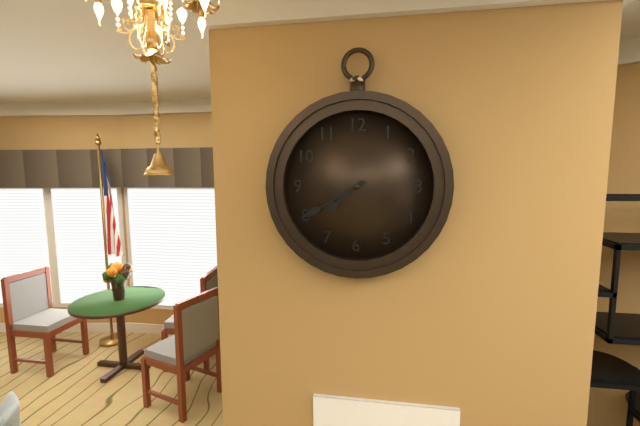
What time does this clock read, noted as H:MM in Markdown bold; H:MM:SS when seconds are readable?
**7:40**
